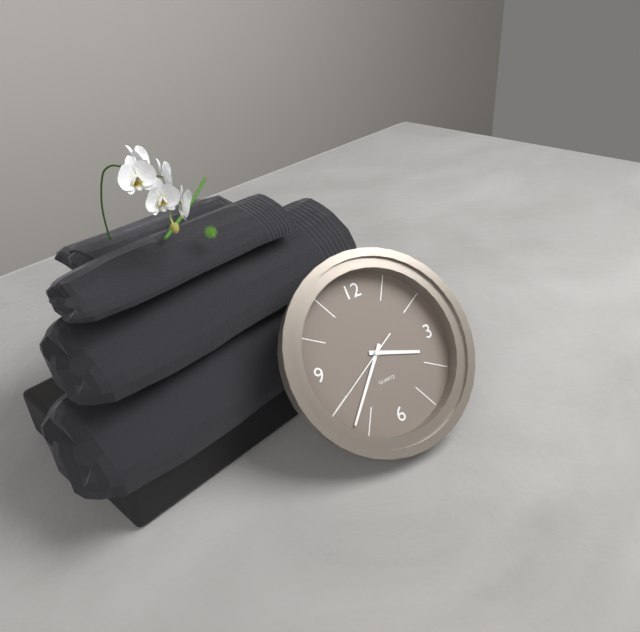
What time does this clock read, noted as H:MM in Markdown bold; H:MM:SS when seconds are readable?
**3:37:40**
